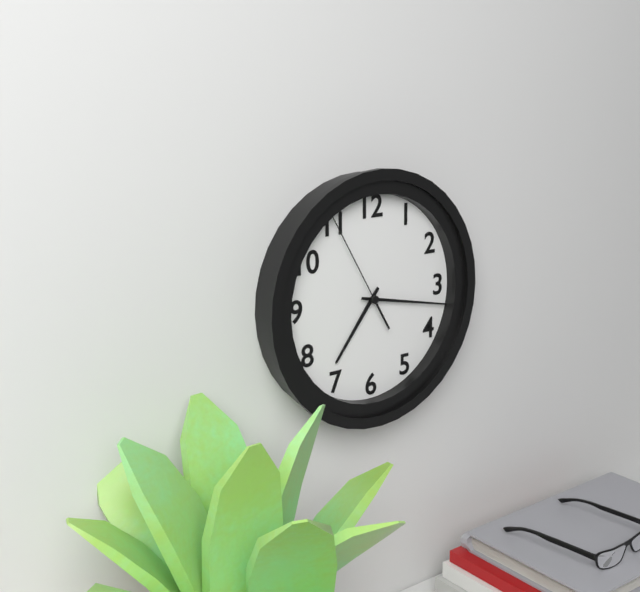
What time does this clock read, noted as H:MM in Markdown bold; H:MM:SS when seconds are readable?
**7:17:55**
